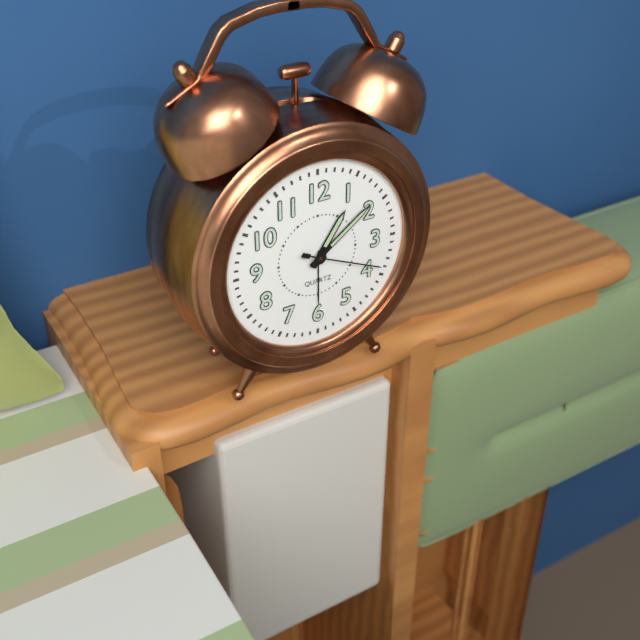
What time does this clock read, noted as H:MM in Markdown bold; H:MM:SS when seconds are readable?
**1:09:19**
